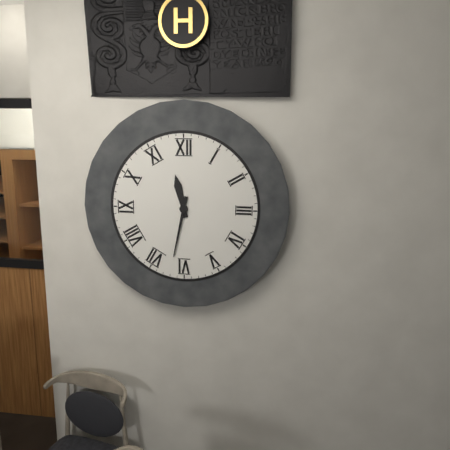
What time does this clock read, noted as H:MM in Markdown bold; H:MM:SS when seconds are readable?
**11:32**
